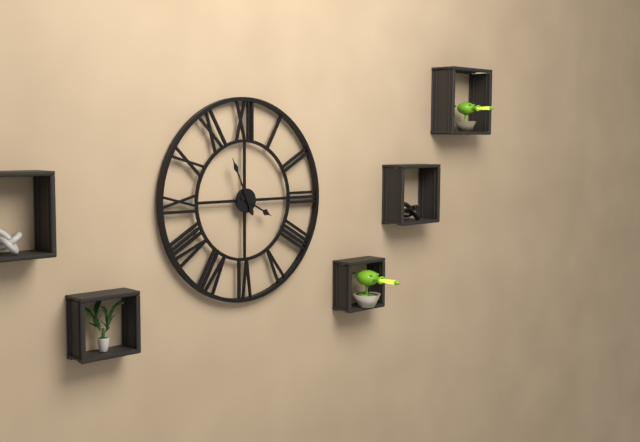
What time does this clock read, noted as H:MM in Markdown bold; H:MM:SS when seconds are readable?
**3:56**
